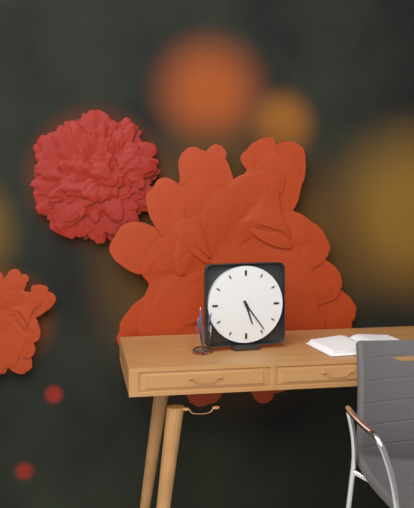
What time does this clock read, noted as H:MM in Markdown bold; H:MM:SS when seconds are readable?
**5:24**
